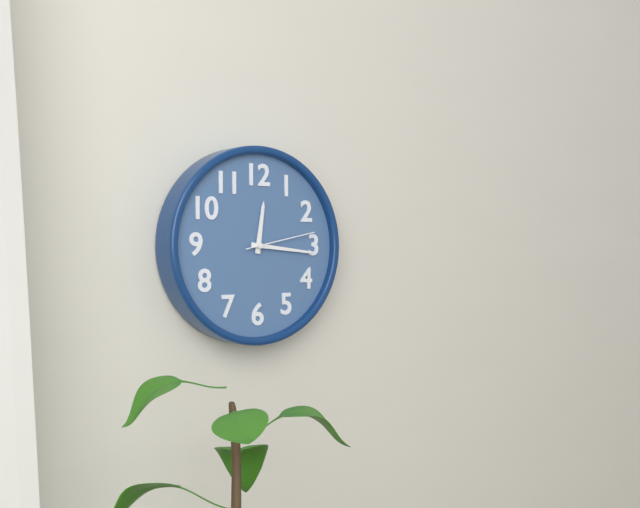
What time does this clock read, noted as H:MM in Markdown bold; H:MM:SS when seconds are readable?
**12:16:13**
